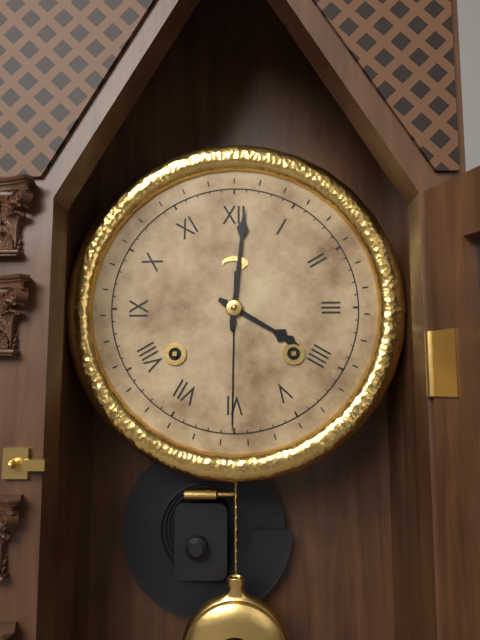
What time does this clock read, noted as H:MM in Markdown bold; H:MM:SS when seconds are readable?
**4:01**
